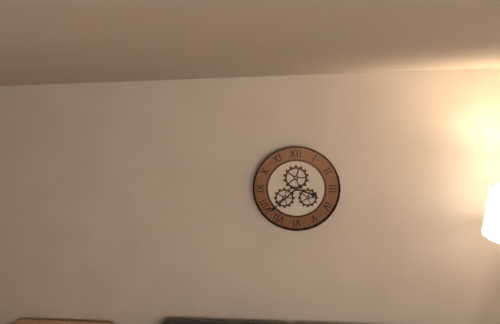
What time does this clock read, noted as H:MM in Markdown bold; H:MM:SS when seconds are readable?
**3:38**
